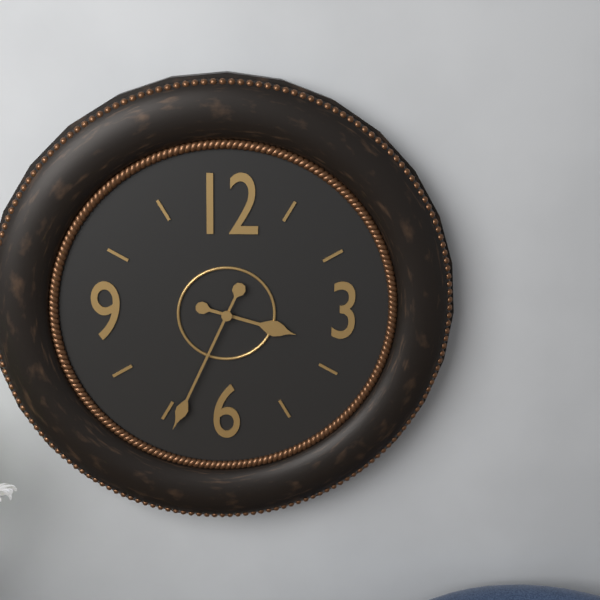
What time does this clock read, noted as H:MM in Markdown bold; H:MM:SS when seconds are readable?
**3:34**
